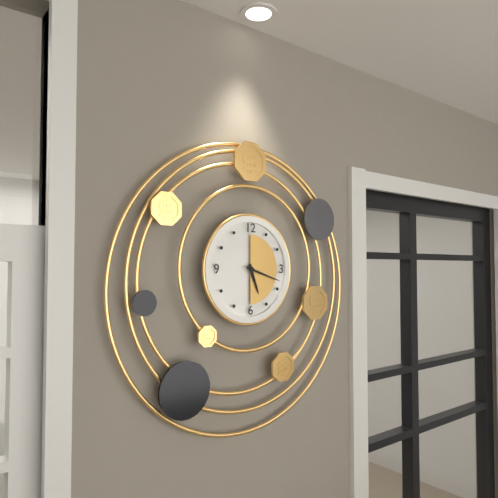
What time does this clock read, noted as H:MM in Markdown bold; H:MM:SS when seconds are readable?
**5:18**
